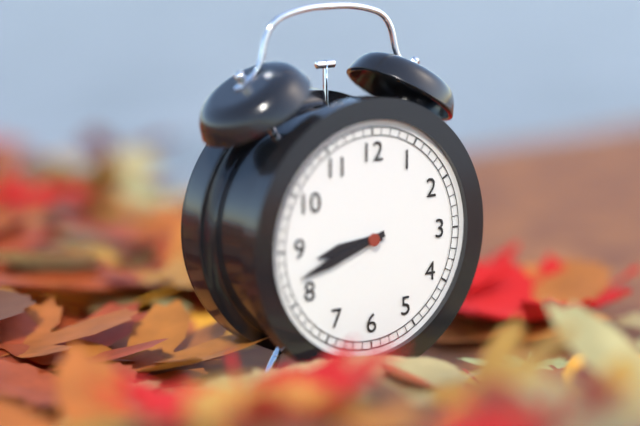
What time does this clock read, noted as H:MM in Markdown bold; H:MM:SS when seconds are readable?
**8:42**
